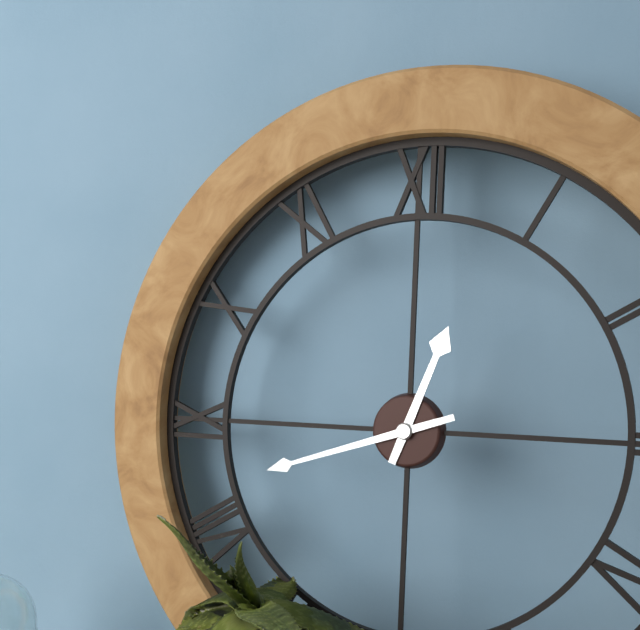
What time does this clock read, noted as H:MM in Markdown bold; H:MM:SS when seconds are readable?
**12:42**
